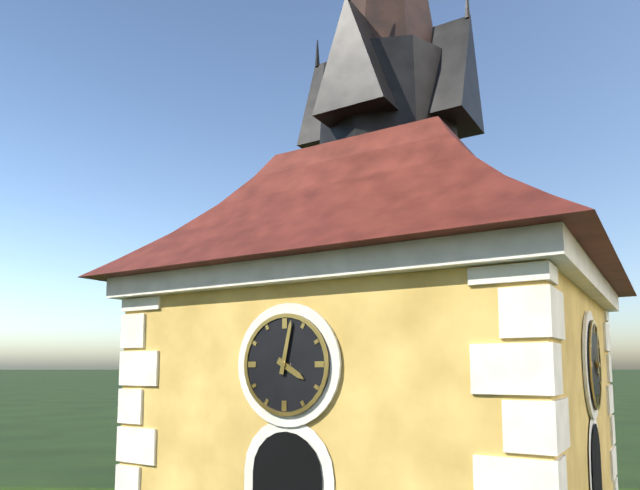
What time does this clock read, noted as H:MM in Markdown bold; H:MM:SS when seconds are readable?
**4:02**
